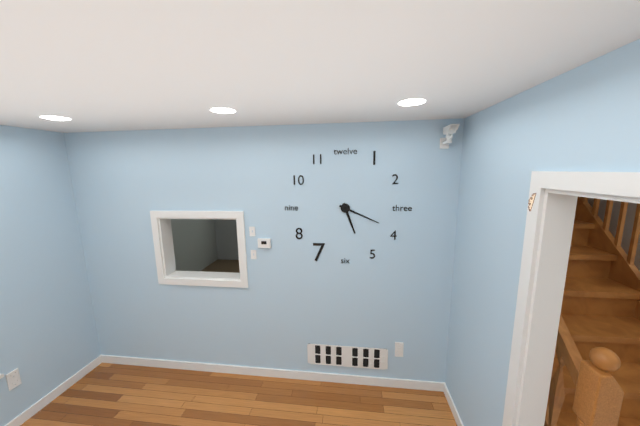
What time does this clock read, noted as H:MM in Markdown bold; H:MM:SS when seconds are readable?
**5:19**
